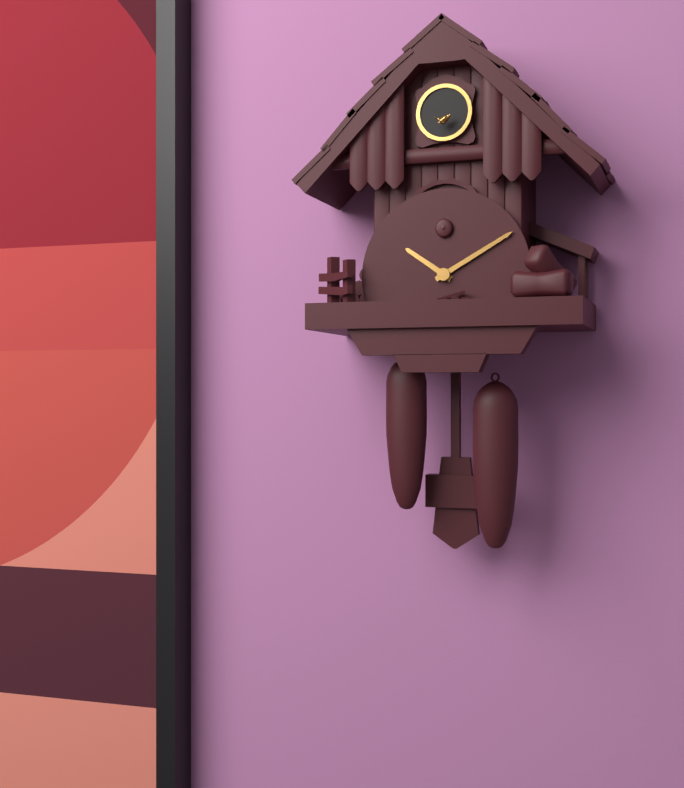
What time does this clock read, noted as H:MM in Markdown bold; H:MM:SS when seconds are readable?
**10:10**
